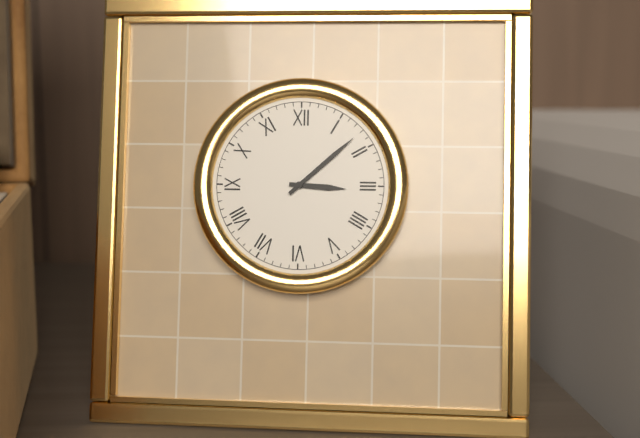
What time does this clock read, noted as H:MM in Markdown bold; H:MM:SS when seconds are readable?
**3:08**
